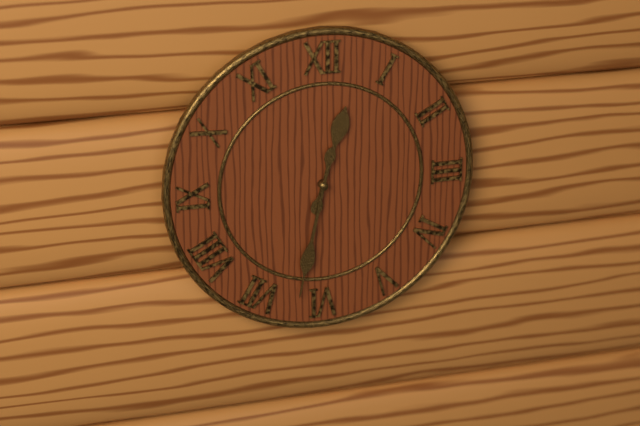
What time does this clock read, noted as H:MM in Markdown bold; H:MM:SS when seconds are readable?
**12:32**
